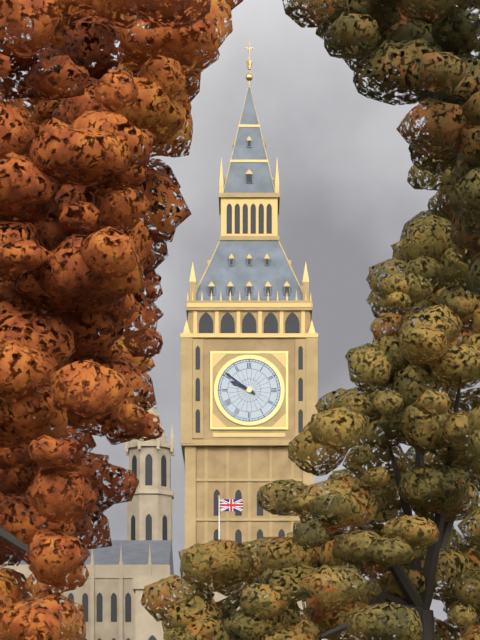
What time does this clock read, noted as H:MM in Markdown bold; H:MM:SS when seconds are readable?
**9:51**
